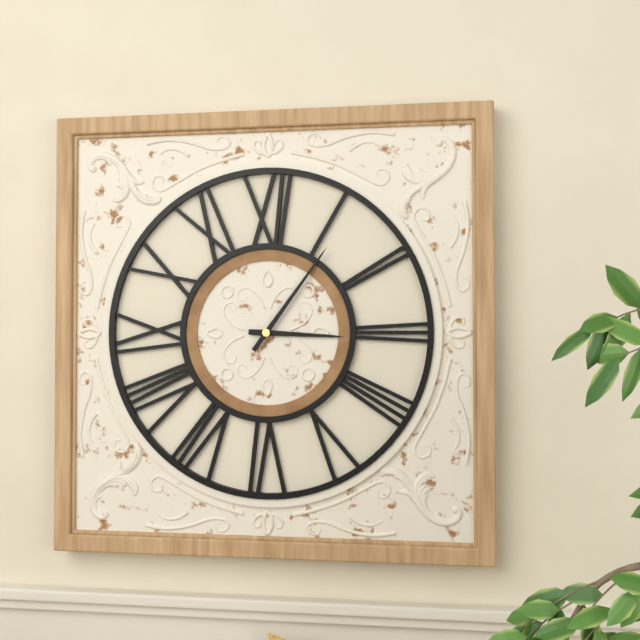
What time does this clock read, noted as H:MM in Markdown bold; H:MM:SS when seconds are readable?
**3:06**
